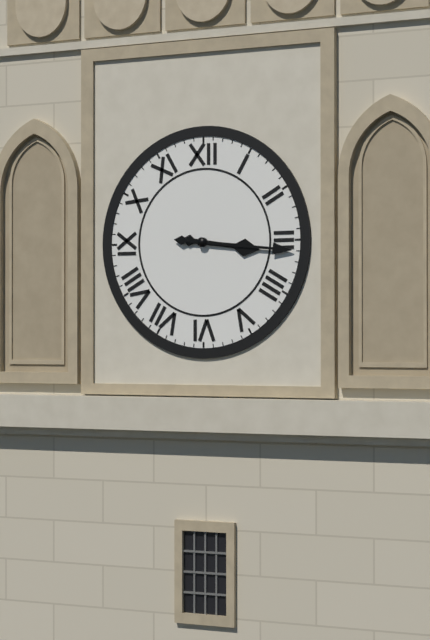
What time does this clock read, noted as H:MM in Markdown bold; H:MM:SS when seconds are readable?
**3:16**
